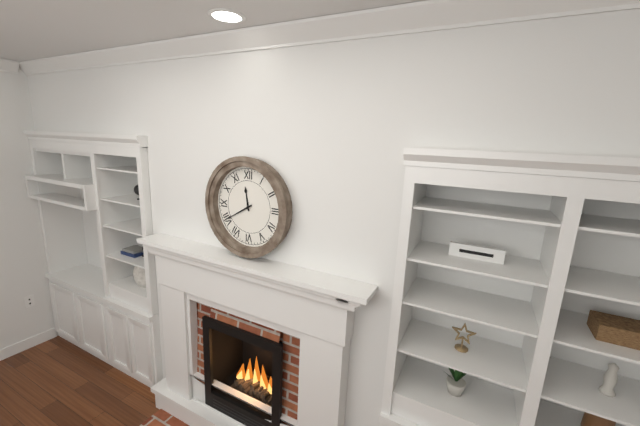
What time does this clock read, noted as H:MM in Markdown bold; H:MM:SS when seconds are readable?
**11:40**
